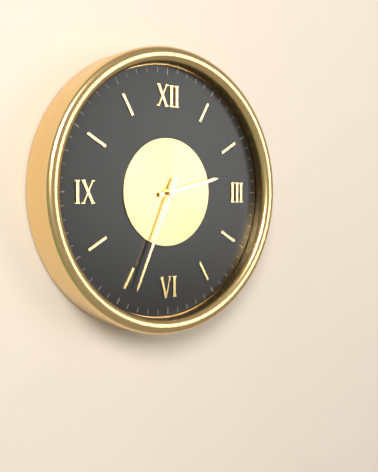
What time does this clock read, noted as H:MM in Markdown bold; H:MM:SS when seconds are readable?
**2:34**
